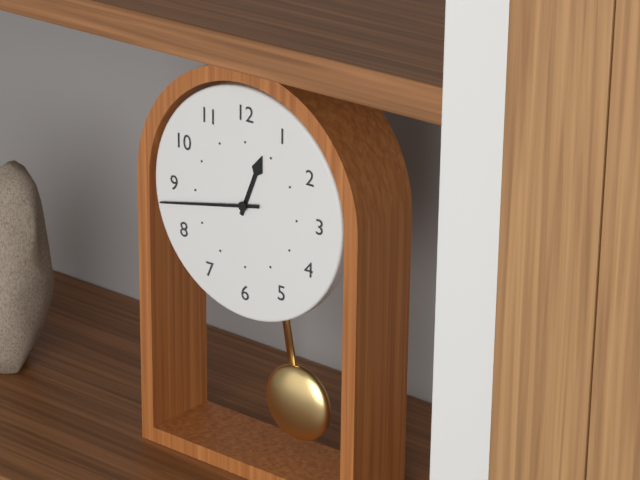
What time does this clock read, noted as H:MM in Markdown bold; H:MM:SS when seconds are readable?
**12:43**
